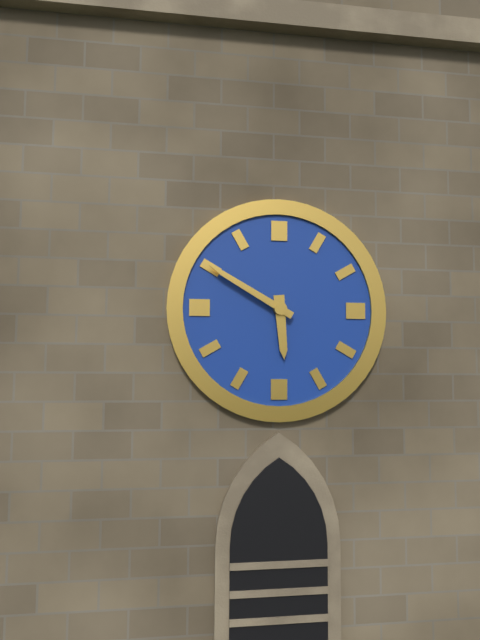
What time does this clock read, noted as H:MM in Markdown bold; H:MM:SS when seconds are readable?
**5:50**
